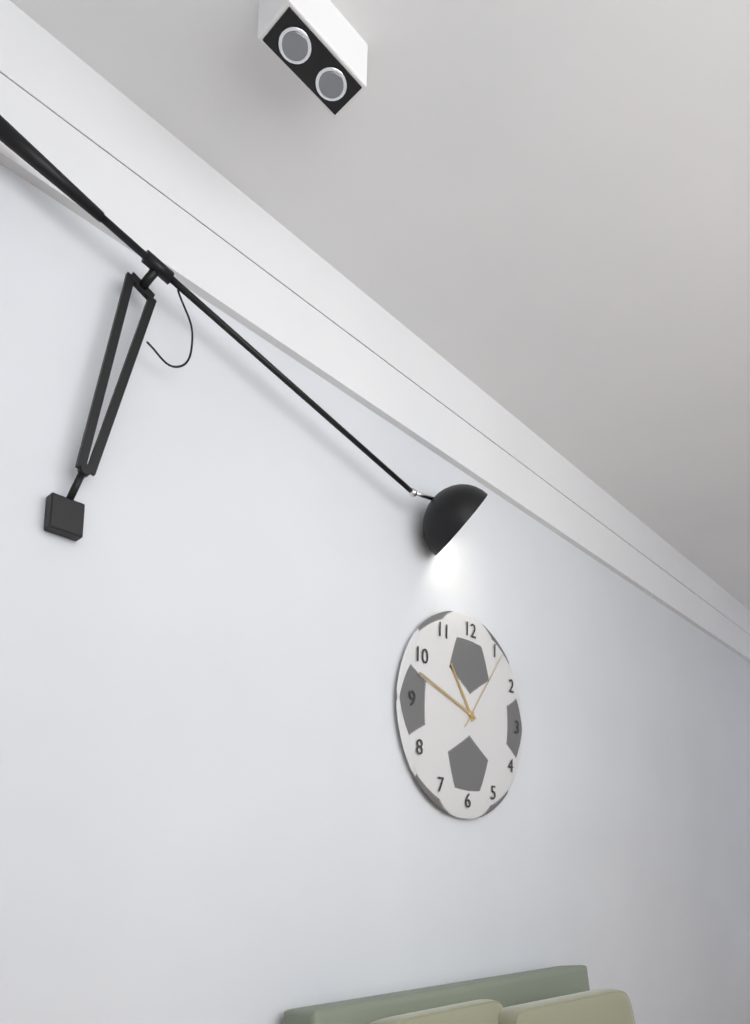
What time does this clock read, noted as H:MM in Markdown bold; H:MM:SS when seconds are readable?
**10:48:06**
